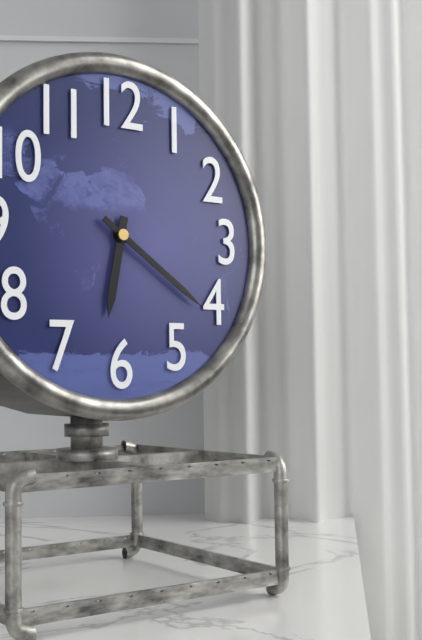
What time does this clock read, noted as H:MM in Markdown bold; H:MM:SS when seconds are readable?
**6:21**
